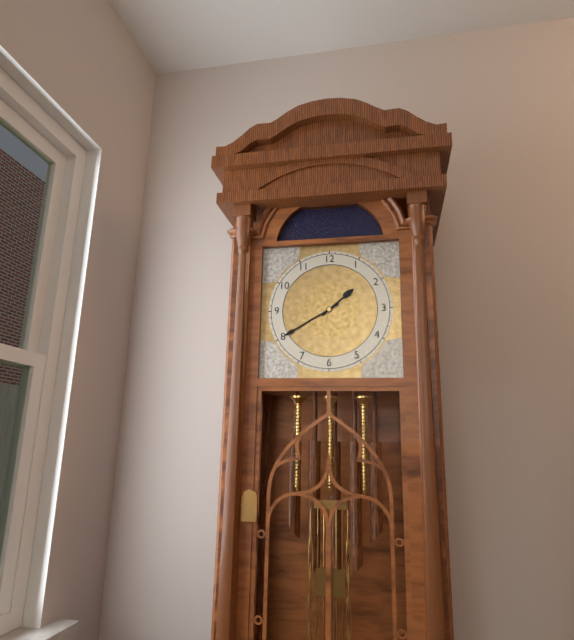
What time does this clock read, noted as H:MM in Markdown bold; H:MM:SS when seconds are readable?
**1:40**
